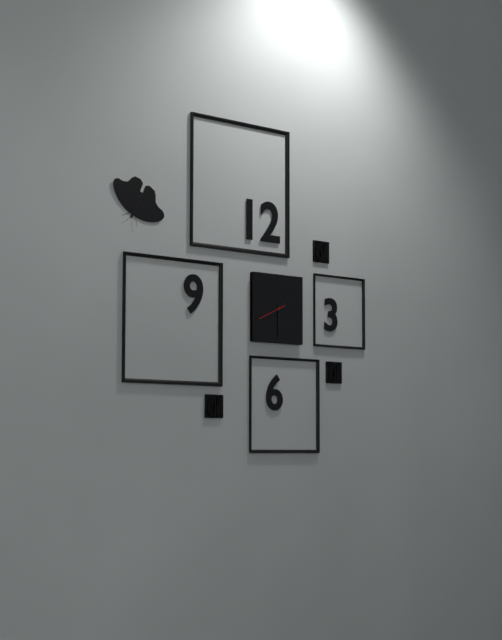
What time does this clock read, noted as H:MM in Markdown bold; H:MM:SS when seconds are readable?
**1:30**
